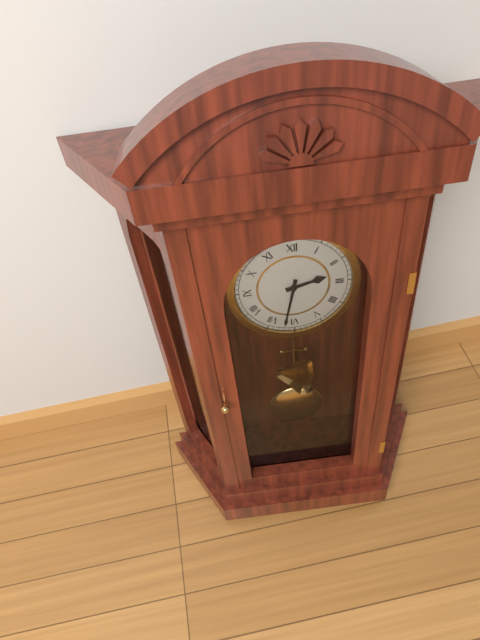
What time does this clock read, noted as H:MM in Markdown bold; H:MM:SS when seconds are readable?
**2:32**
